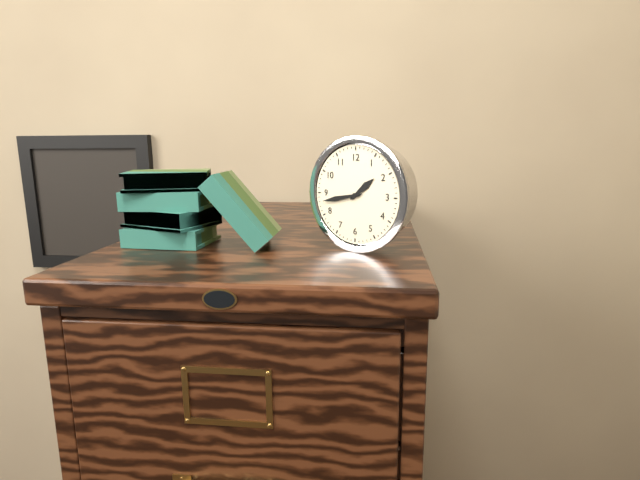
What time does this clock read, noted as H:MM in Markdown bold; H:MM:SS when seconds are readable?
**1:43**
